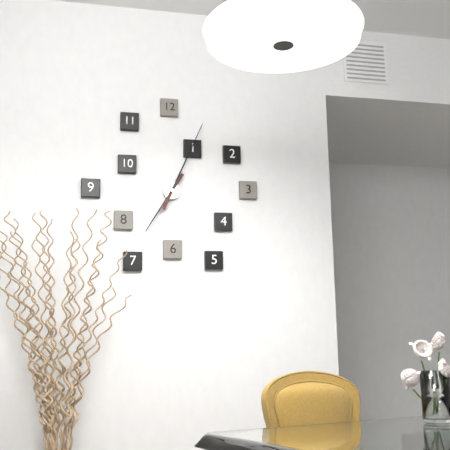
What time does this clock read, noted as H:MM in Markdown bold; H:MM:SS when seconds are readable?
**7:04**
